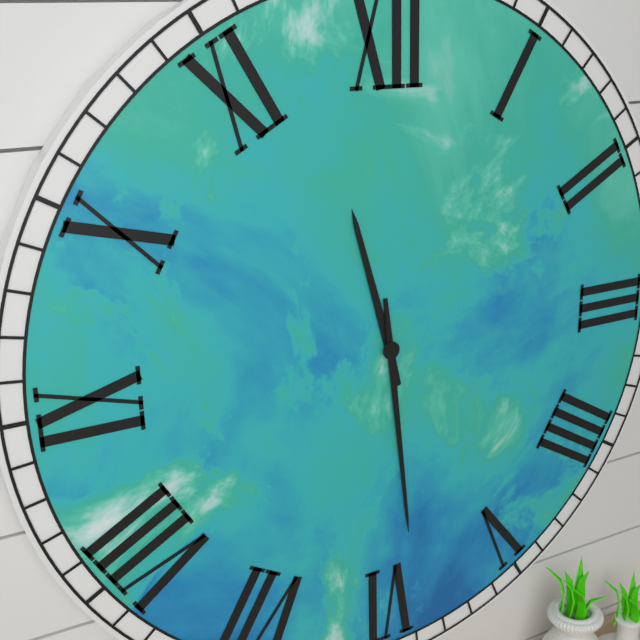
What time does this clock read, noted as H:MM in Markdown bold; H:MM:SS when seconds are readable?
**11:29**
